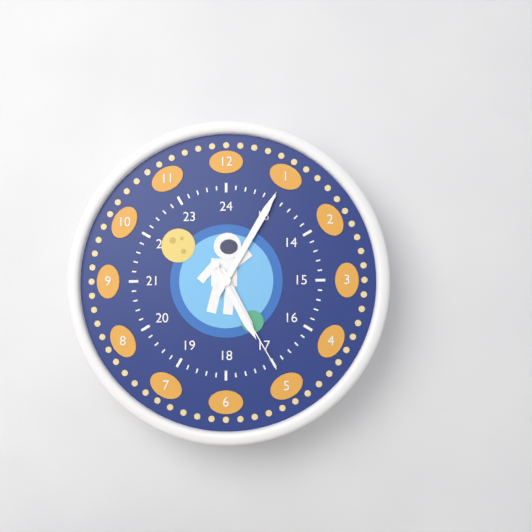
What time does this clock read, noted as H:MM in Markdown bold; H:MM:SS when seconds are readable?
**5:05:25**
